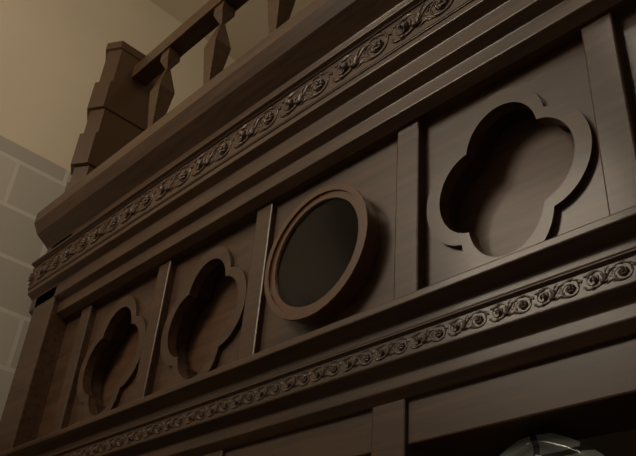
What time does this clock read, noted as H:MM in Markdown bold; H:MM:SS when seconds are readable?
**6:49**
